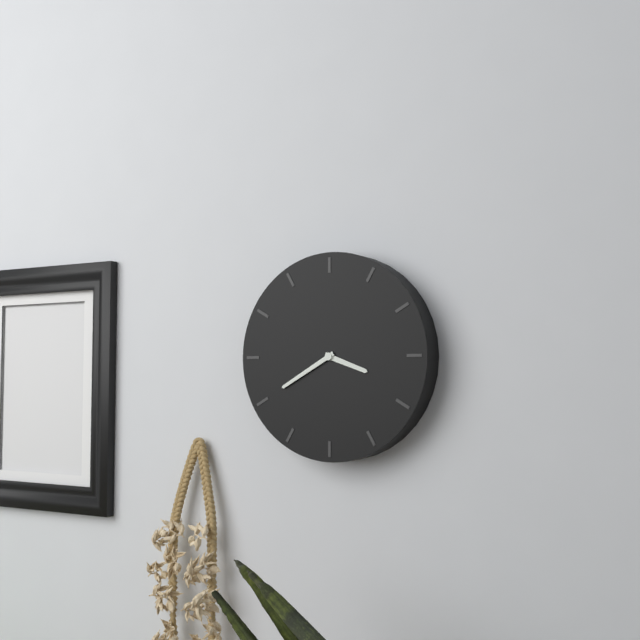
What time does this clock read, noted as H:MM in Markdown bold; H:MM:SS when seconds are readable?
**3:40**
